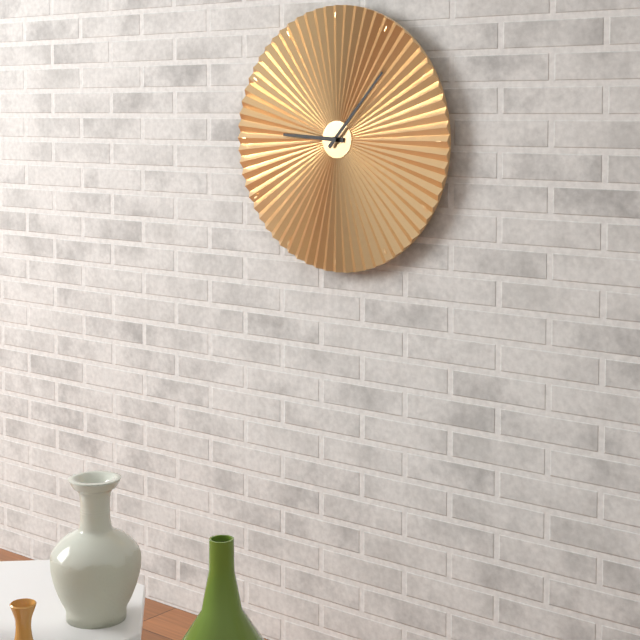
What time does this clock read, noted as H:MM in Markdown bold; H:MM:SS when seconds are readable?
**9:07**
